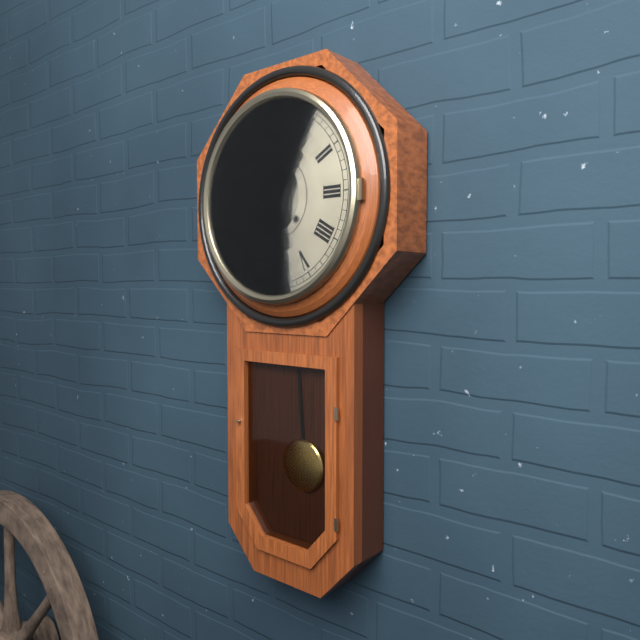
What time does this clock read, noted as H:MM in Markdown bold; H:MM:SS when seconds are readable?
**8:43**
